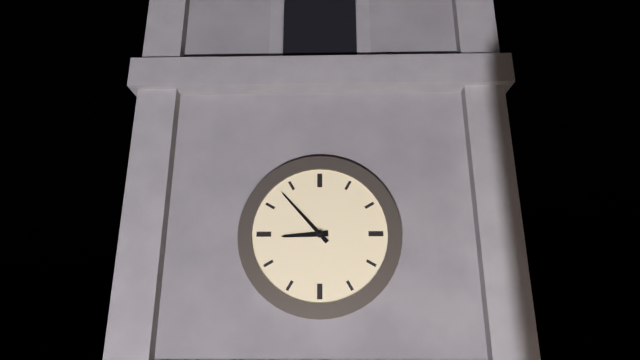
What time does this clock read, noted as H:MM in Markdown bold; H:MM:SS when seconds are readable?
**8:53**
